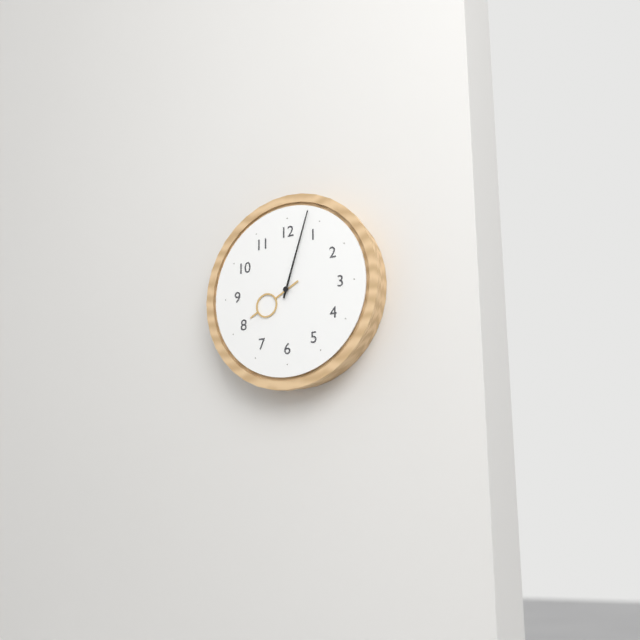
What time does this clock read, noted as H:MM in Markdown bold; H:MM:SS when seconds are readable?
**8:03**
